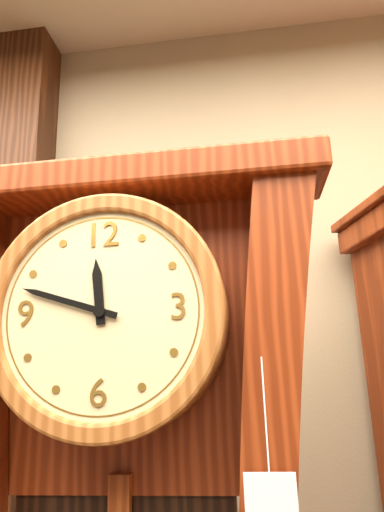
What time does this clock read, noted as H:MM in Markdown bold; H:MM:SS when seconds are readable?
**11:48**
